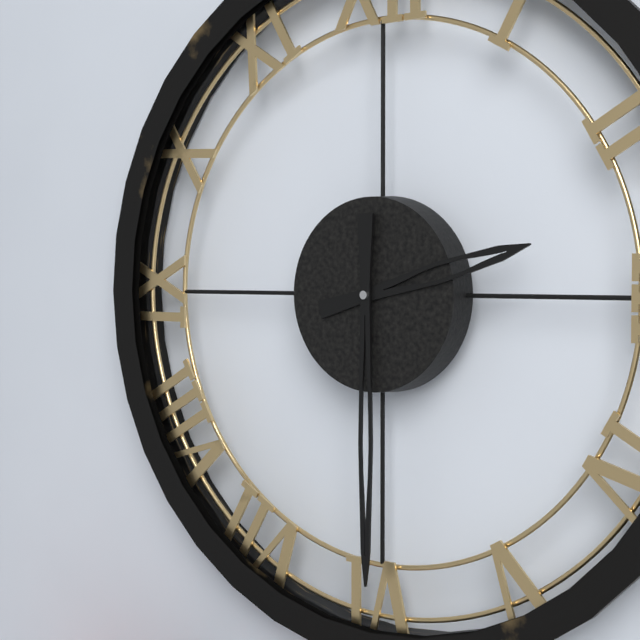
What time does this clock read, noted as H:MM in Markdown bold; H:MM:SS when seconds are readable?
**2:30**
